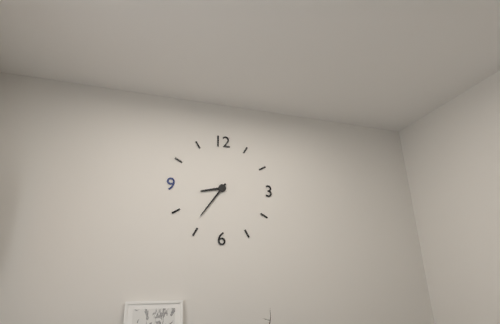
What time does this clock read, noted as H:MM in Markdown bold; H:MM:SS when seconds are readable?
**8:36**
